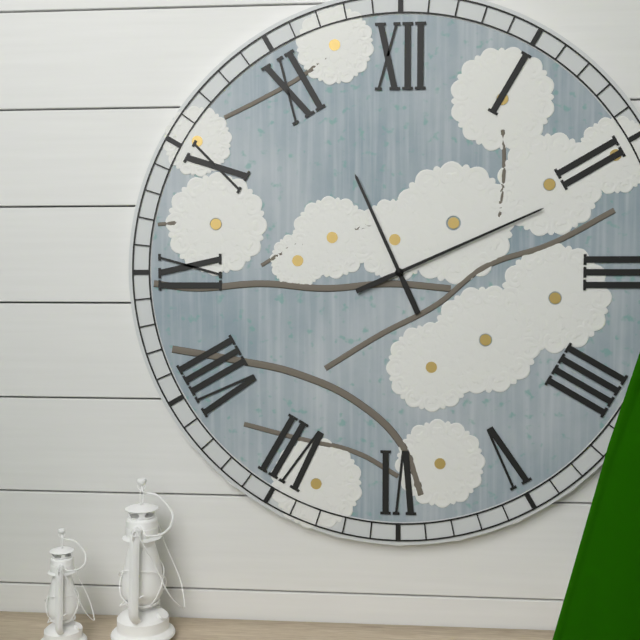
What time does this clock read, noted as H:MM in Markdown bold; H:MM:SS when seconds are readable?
**11:11**
